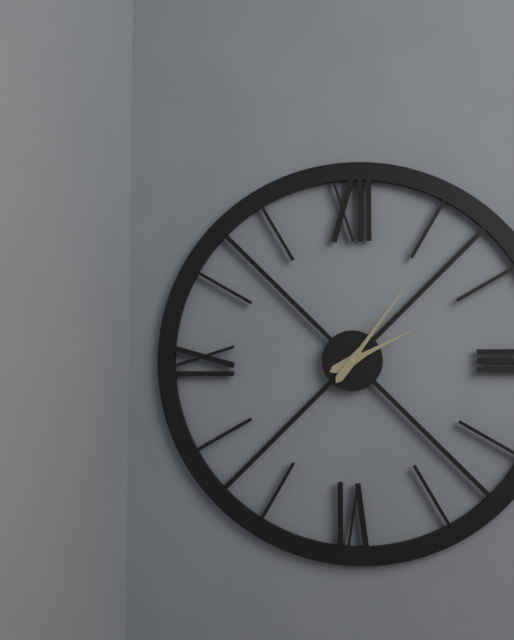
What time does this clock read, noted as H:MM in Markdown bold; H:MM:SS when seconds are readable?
**2:06**
